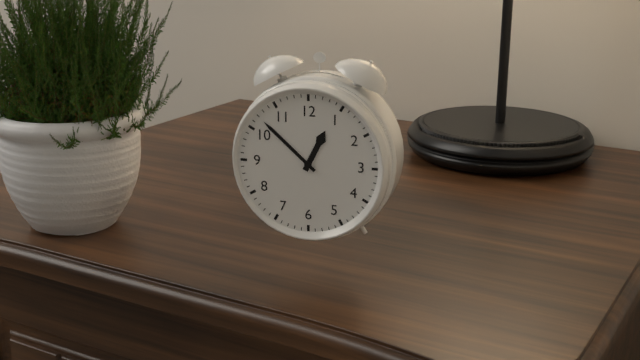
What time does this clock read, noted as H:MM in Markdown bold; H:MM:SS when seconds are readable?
**12:52**
